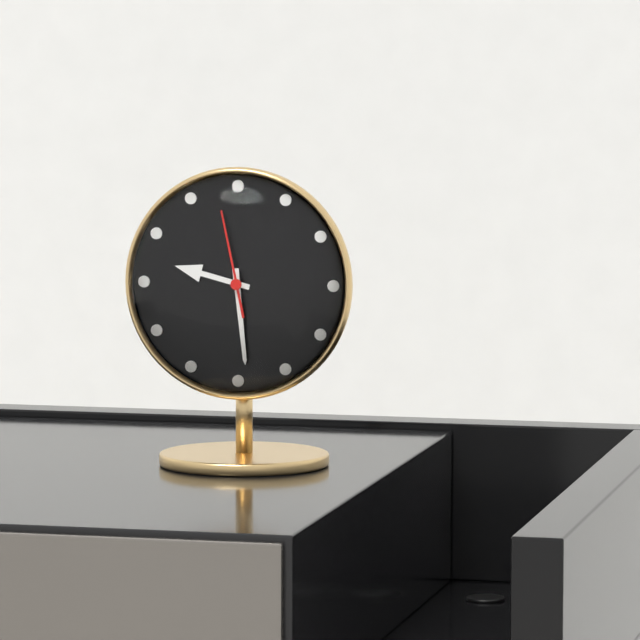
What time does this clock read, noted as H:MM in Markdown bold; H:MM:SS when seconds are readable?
**9:29:58**
